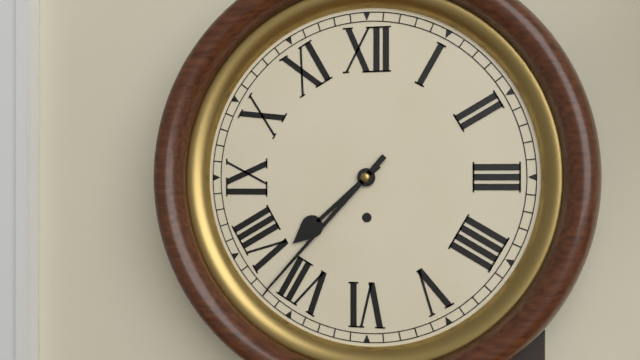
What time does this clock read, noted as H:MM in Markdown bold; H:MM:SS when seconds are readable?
**7:37**
